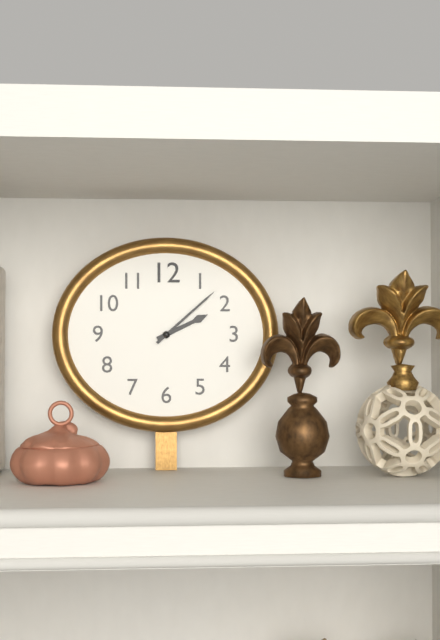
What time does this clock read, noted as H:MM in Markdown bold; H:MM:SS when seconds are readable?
**2:08**
